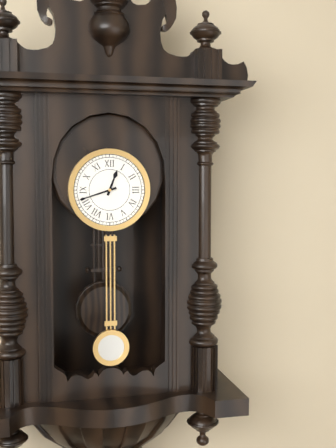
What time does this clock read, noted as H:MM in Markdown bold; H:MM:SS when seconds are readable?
**12:42**
